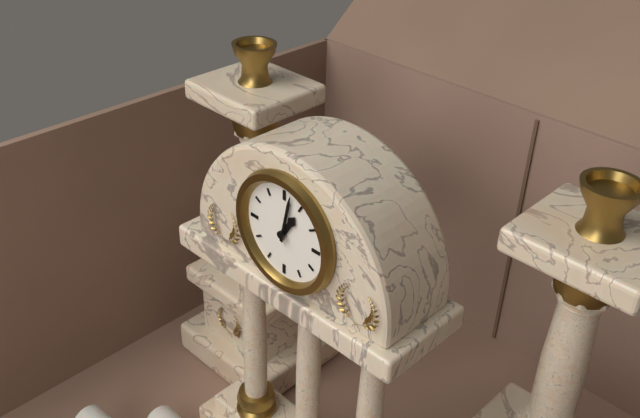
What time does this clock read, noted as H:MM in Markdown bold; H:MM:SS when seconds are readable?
**1:02**
